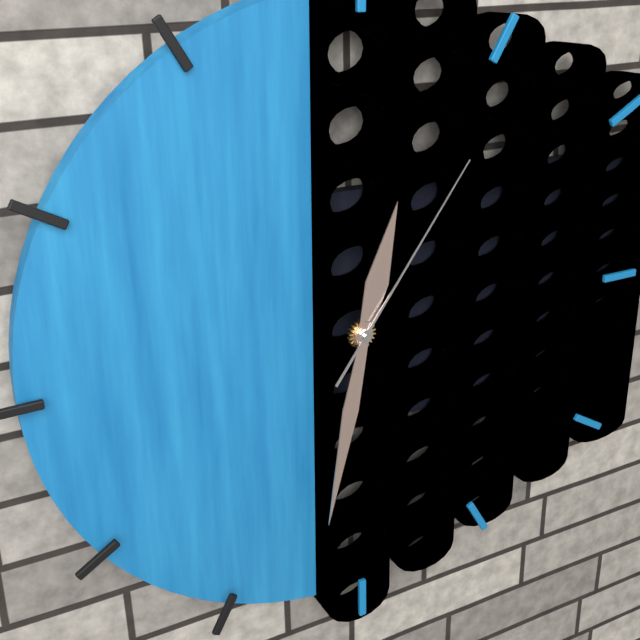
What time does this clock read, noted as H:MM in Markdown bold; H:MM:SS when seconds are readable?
**12:32:06**
